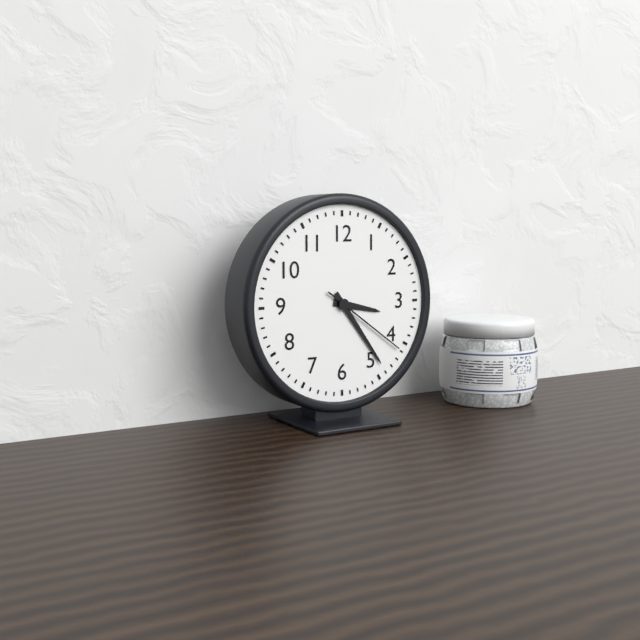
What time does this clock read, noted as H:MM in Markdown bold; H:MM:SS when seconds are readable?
**3:24:21**
